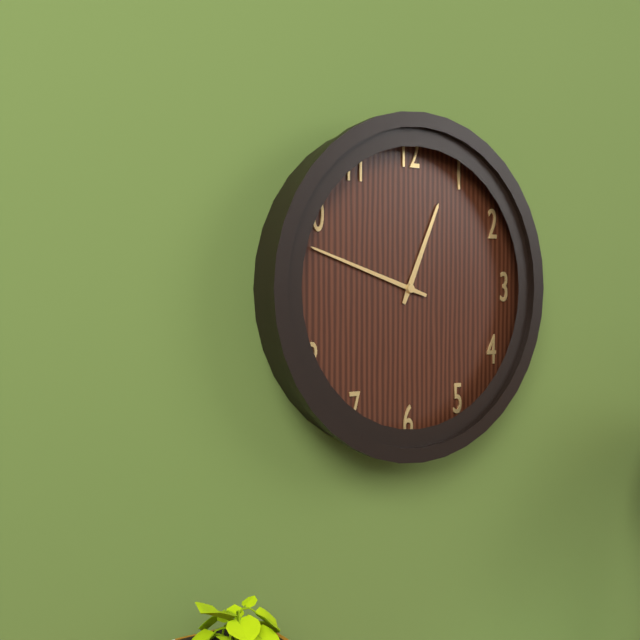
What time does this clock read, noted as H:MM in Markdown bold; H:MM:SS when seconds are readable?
**12:48**
